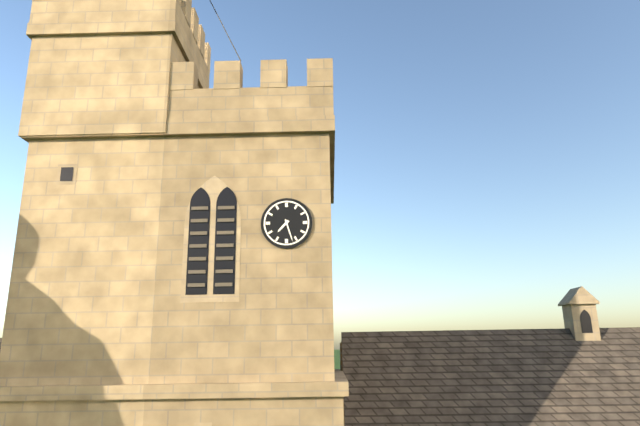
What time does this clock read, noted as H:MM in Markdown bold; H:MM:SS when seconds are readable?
**7:27**
